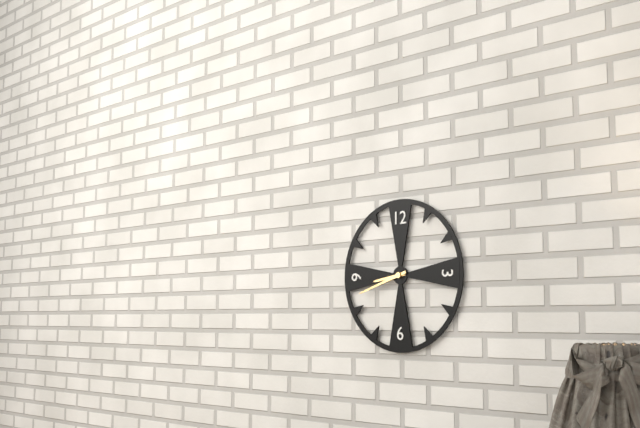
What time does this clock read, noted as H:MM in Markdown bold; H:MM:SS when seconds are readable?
**8:42**
